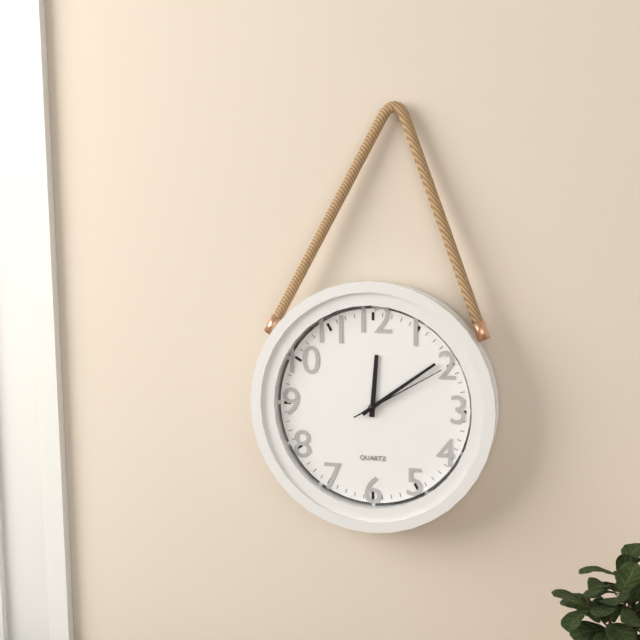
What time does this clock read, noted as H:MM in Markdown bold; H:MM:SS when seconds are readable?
**12:09:10**
